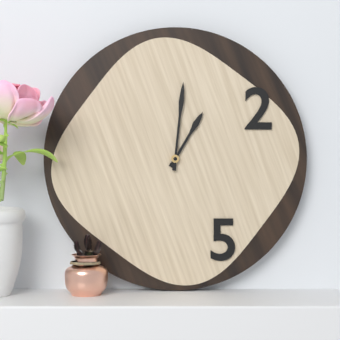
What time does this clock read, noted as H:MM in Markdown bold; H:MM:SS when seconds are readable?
**1:01**
